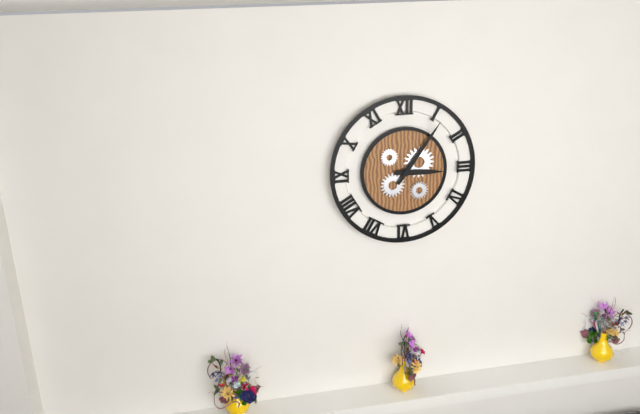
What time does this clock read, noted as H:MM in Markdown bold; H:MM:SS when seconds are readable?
**3:06**
